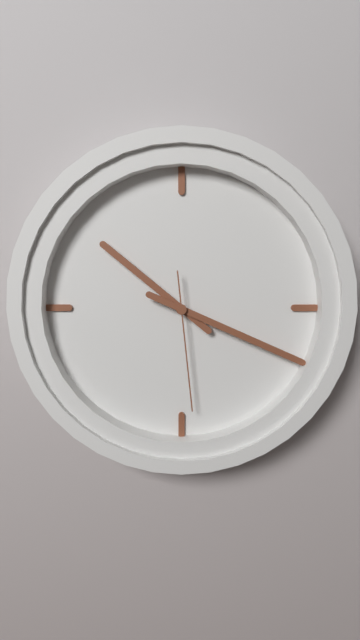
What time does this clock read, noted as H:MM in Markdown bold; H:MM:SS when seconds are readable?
**10:19:29**
